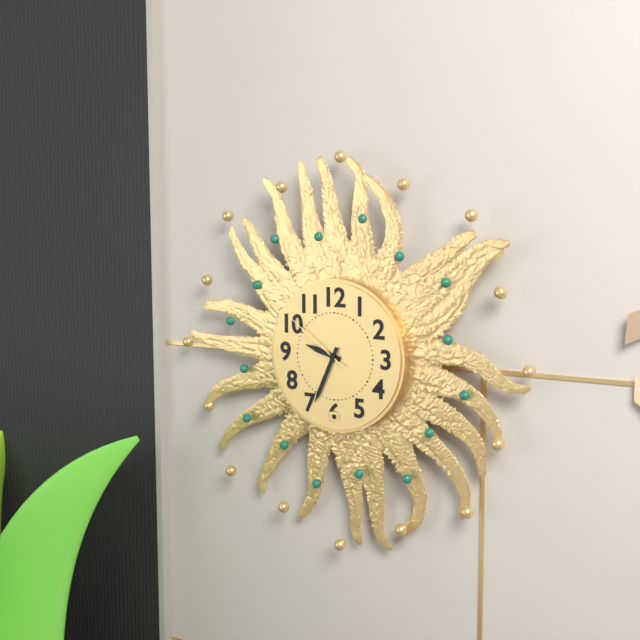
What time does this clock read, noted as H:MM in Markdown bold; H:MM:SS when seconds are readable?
**9:34:51**
